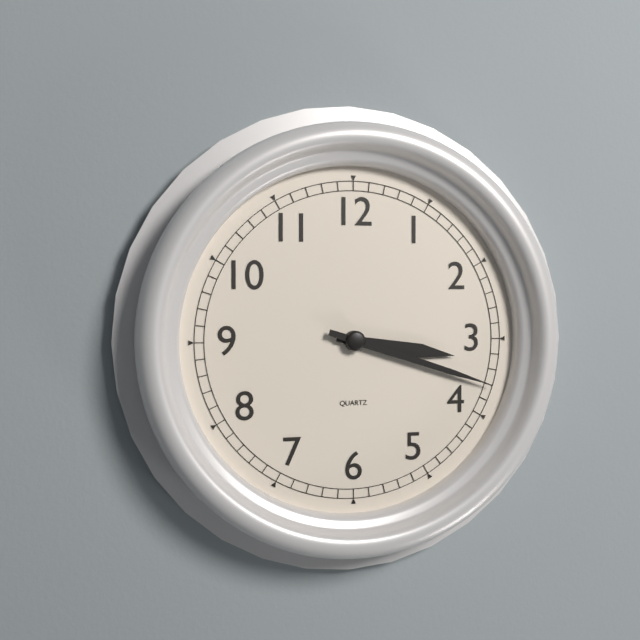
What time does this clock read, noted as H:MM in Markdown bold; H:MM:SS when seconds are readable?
**3:18**
